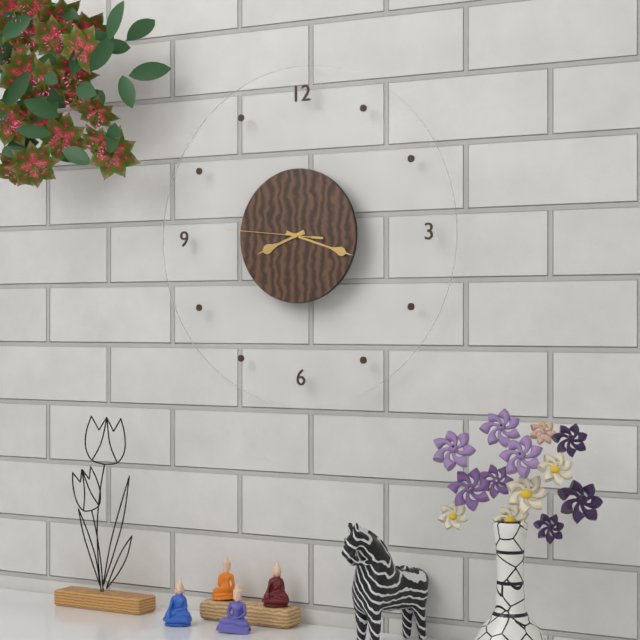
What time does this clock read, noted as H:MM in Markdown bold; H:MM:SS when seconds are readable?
**8:18:46**
